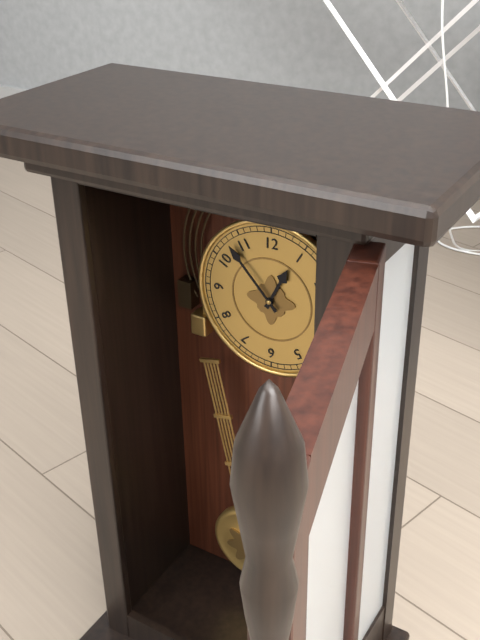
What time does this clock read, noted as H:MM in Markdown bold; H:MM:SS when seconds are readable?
**12:53**
